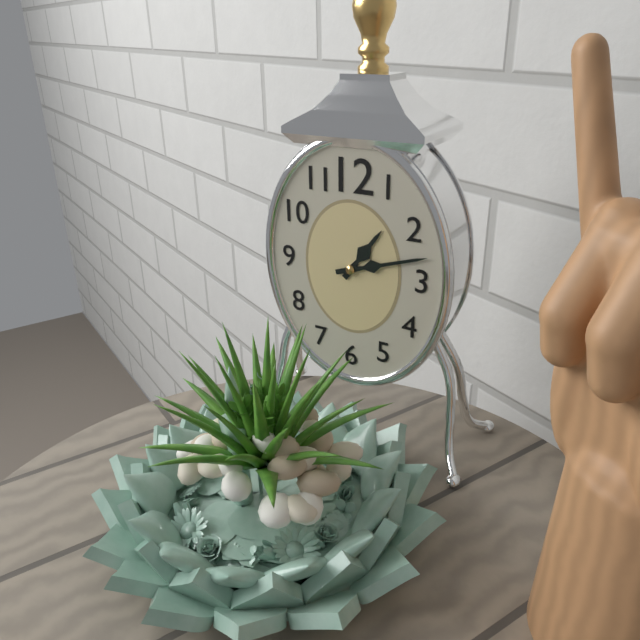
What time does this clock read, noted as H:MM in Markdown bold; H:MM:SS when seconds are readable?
**1:12**
